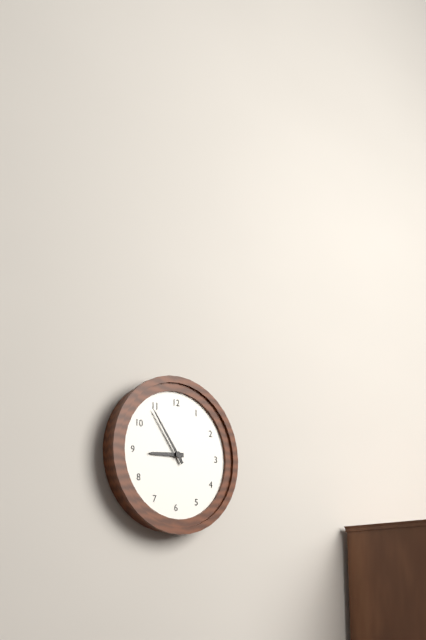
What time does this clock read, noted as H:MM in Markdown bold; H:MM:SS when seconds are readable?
**8:54**
